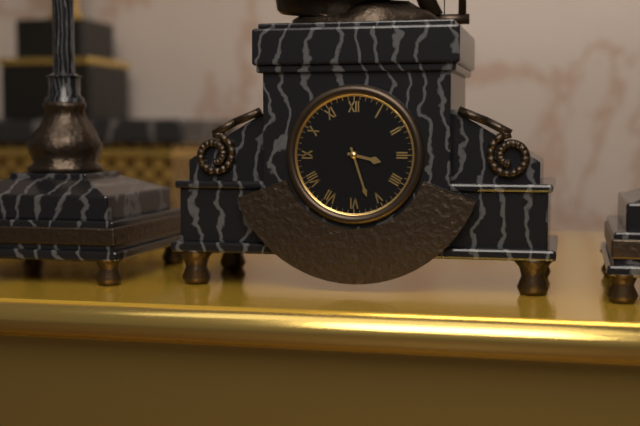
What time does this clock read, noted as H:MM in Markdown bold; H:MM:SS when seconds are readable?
**3:27**
